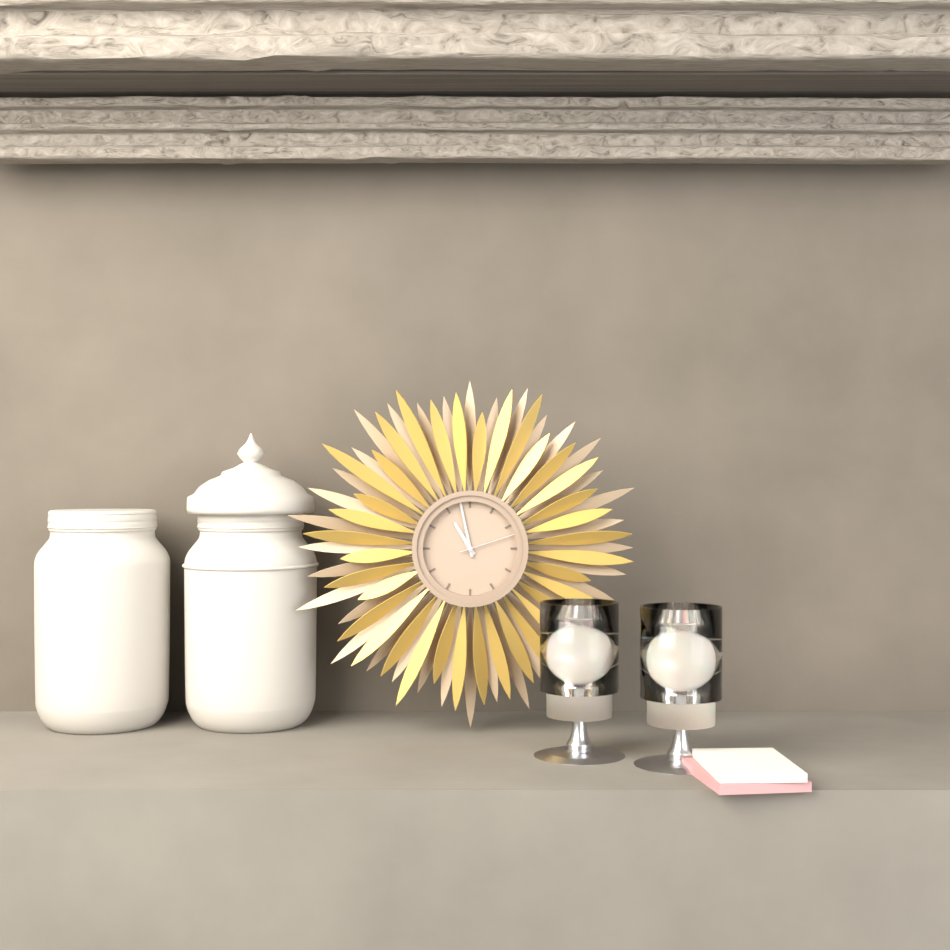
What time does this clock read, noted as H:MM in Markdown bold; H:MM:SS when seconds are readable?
**10:58:12**
